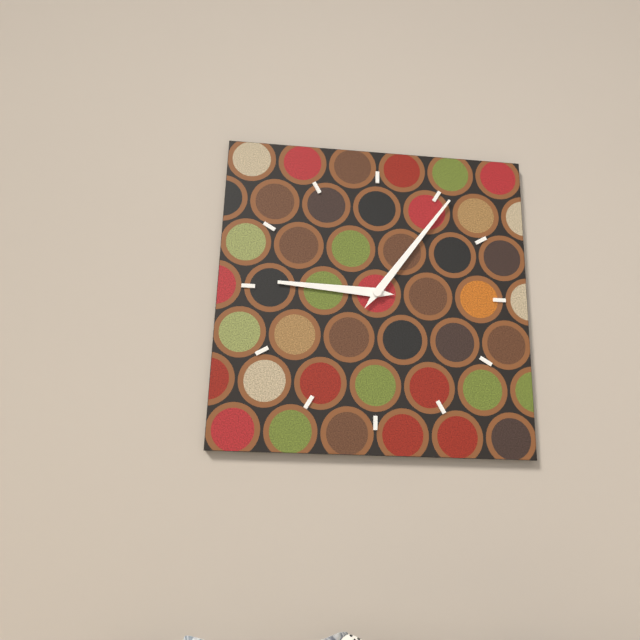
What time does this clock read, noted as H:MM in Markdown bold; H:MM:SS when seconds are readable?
**9:06**
